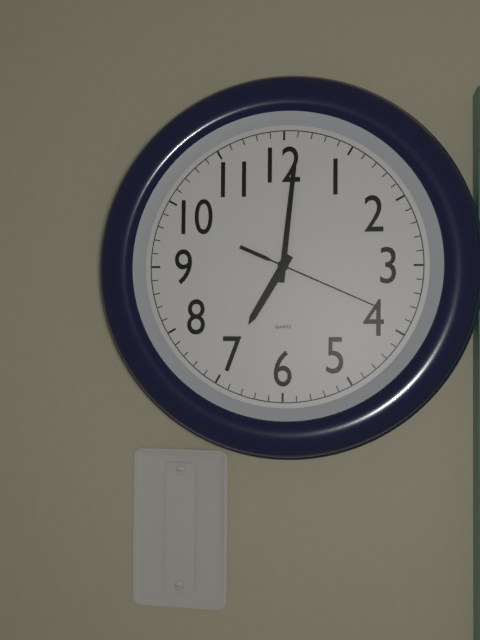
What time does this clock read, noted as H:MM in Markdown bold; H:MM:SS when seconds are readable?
**7:01:19**
